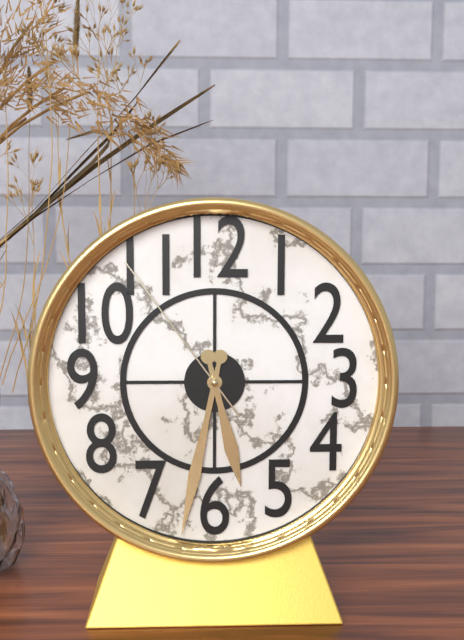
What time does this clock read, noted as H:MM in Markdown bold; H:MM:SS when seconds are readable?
**5:32:54**
